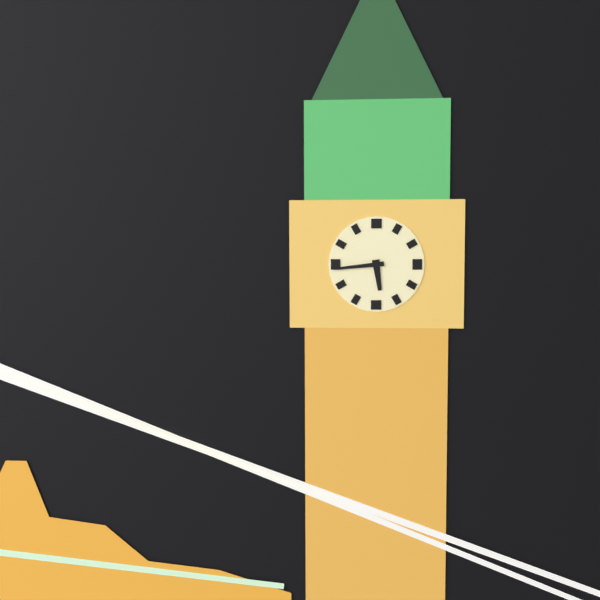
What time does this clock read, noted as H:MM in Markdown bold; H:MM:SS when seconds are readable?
**5:44**
